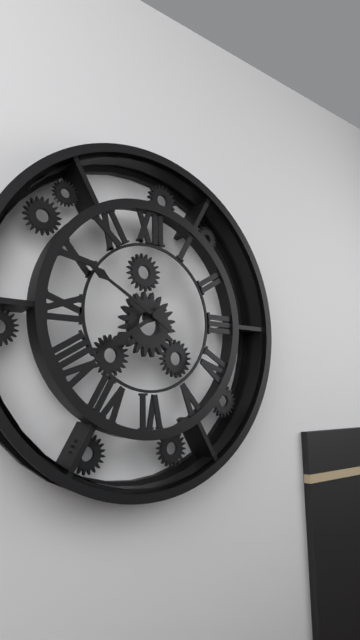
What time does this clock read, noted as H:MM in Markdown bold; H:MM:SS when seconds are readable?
**7:50**
